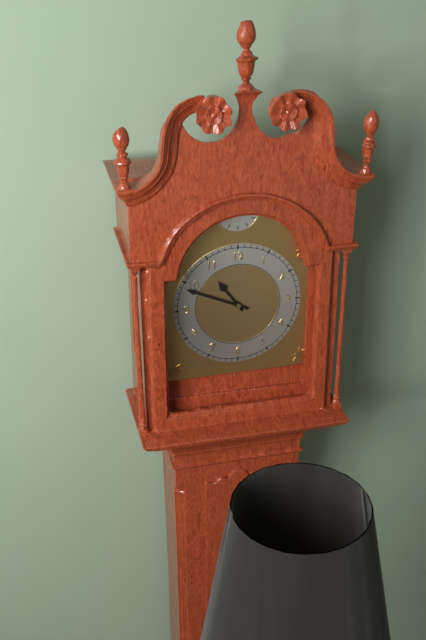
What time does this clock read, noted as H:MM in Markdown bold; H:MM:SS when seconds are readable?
**10:49**
